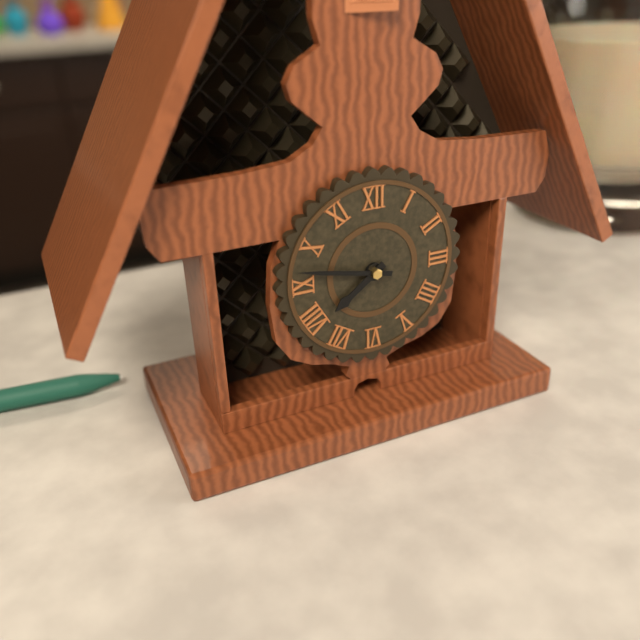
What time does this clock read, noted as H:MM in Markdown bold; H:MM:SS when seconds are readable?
**7:47**
